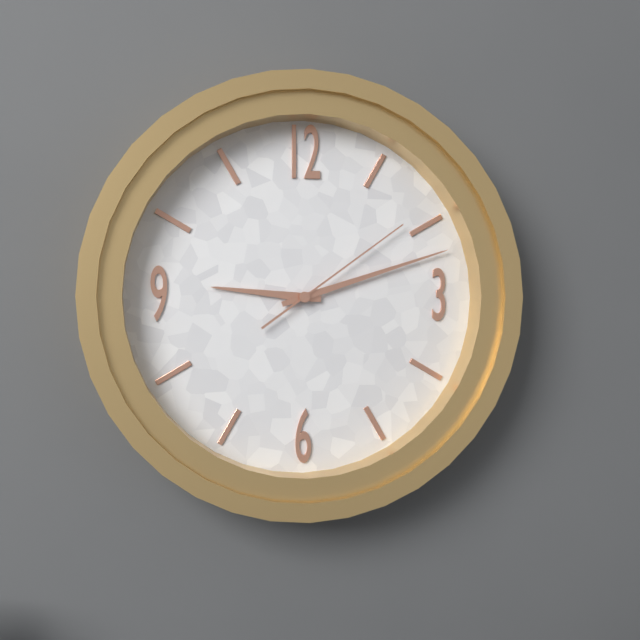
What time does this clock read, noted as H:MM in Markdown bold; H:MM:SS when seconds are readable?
**9:12:09**
